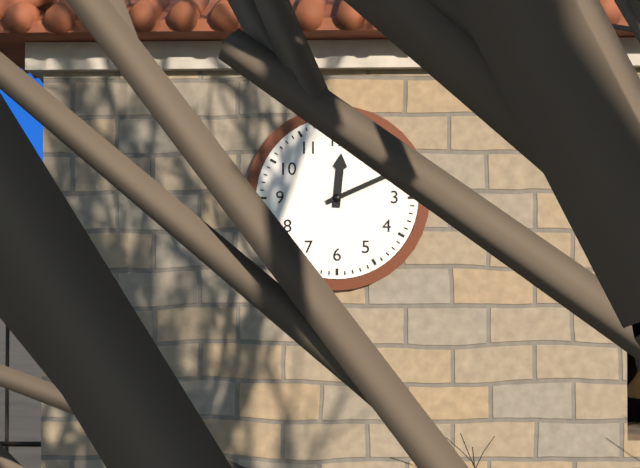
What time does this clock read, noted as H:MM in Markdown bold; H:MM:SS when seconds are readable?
**12:11**
